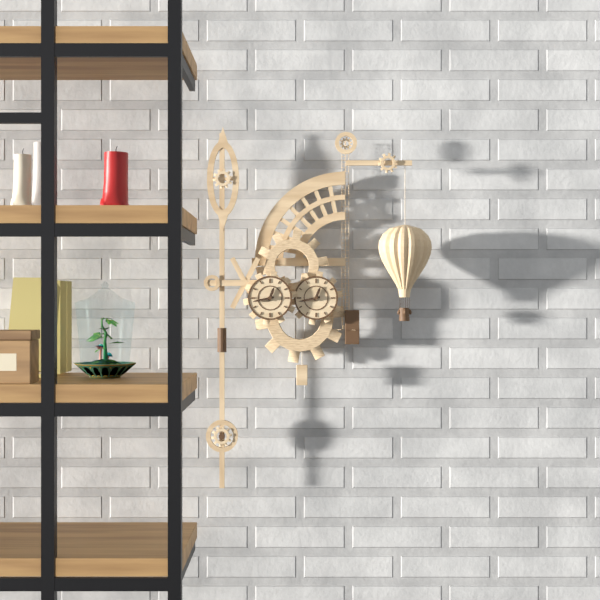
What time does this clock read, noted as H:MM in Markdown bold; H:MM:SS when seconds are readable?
**12:43**
